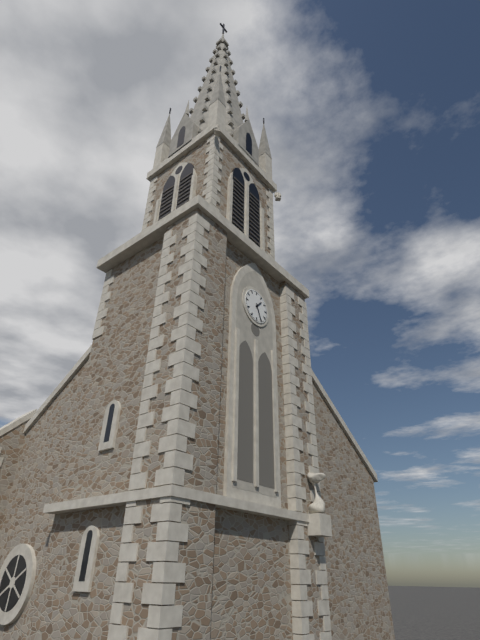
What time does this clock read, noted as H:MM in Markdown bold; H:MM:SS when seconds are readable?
**1:26**
